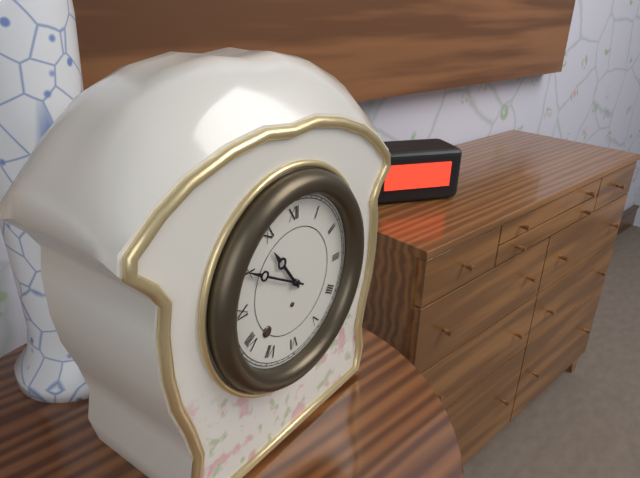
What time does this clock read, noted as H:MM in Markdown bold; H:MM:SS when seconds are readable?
**10:50**
